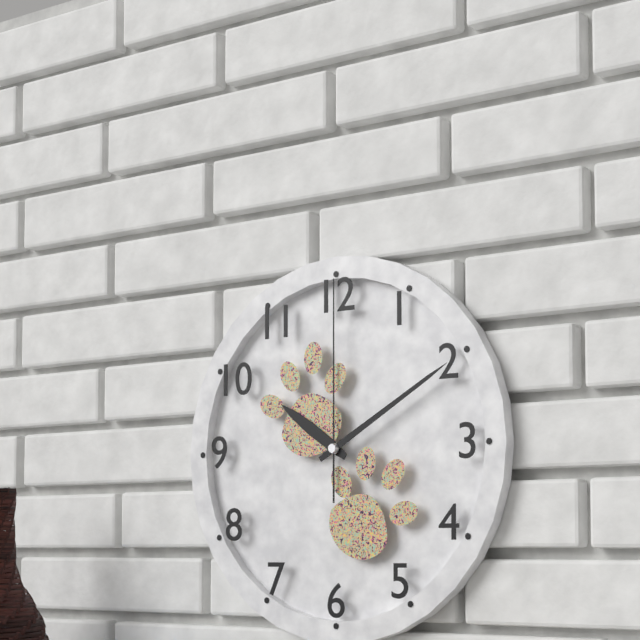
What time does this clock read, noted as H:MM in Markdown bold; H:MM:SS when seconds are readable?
**10:10:00**
